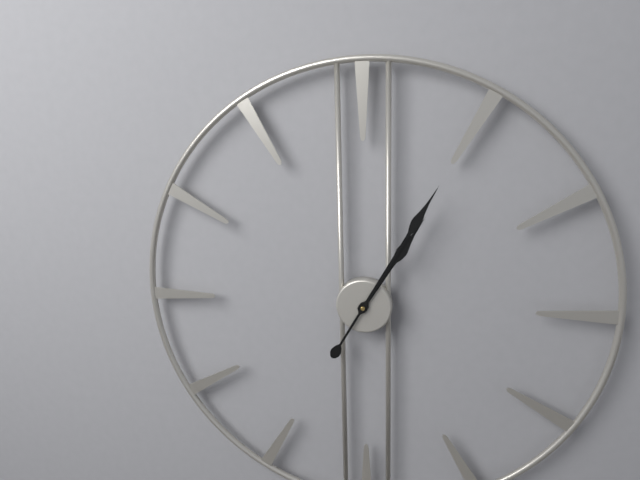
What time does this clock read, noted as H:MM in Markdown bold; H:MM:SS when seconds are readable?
**1:05**
